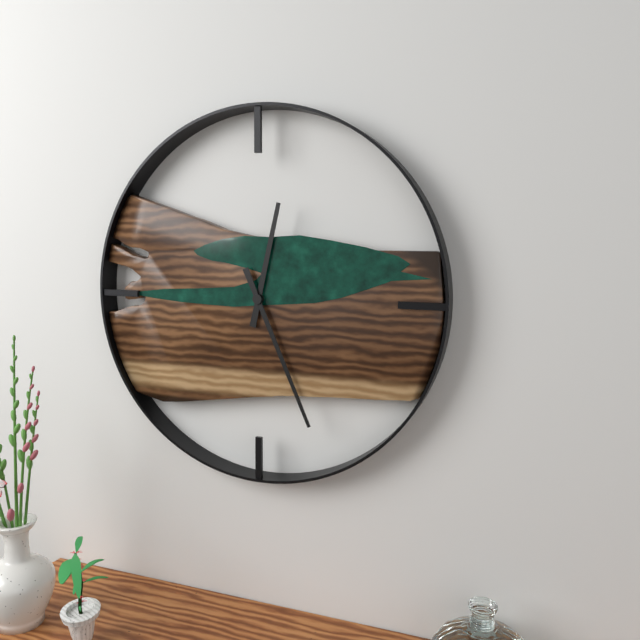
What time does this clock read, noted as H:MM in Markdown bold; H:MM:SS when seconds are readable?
**12:26**
